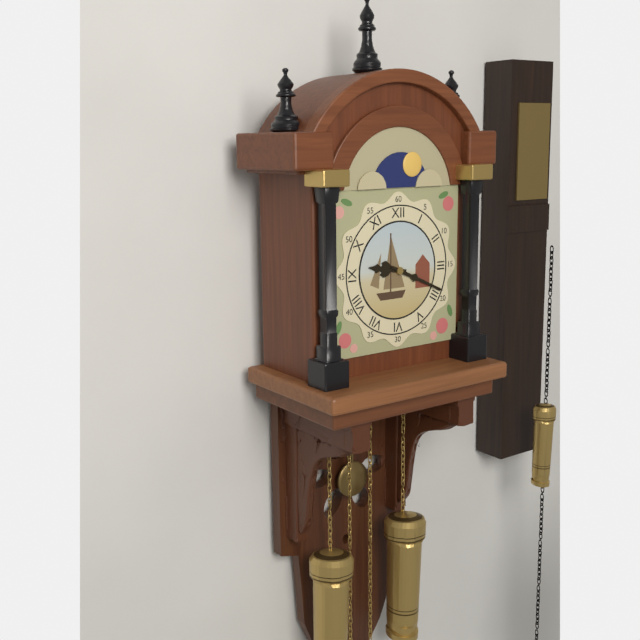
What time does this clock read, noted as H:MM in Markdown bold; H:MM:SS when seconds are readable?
**9:19**
